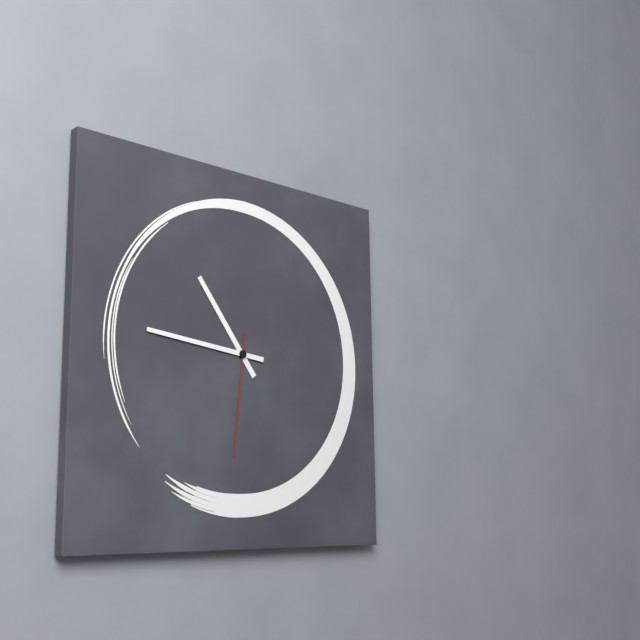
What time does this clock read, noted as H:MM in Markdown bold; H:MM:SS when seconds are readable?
**10:46:31**
